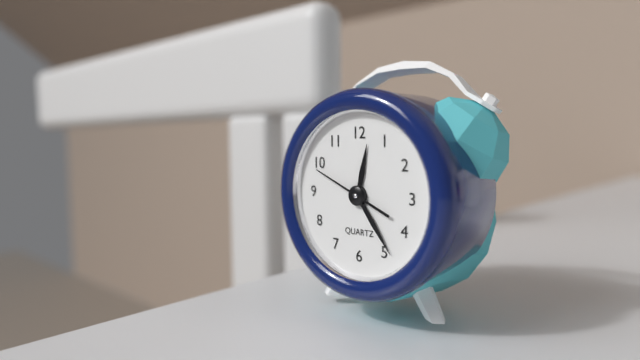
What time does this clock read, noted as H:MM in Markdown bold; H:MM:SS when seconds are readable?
**12:24:49**
